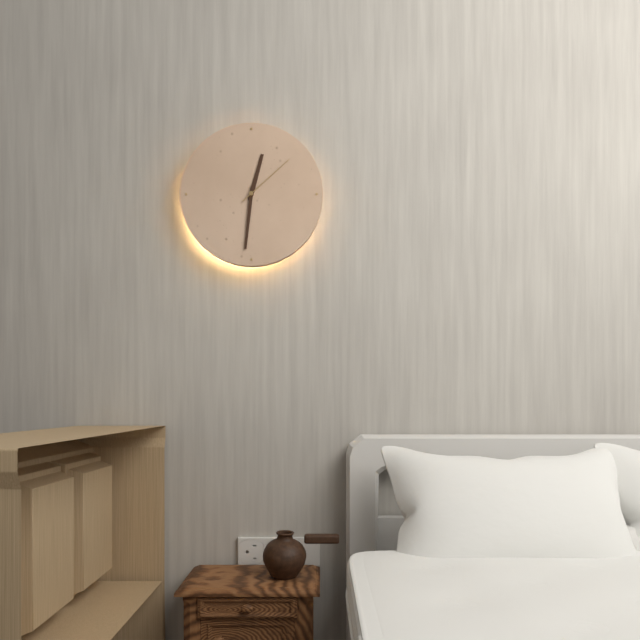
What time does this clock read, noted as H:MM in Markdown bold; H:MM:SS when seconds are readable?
**12:31:08**
